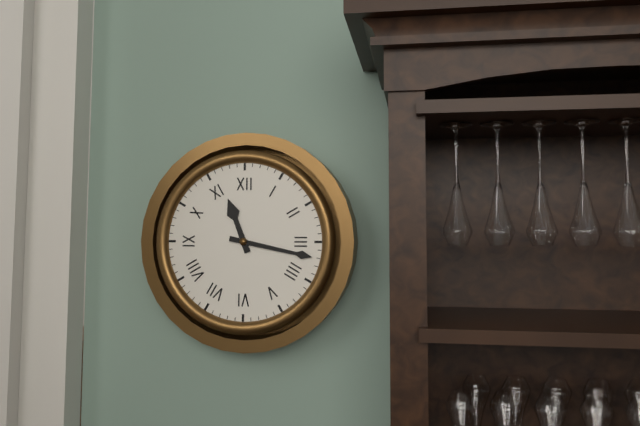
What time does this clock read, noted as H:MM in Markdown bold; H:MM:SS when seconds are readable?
**11:17**
